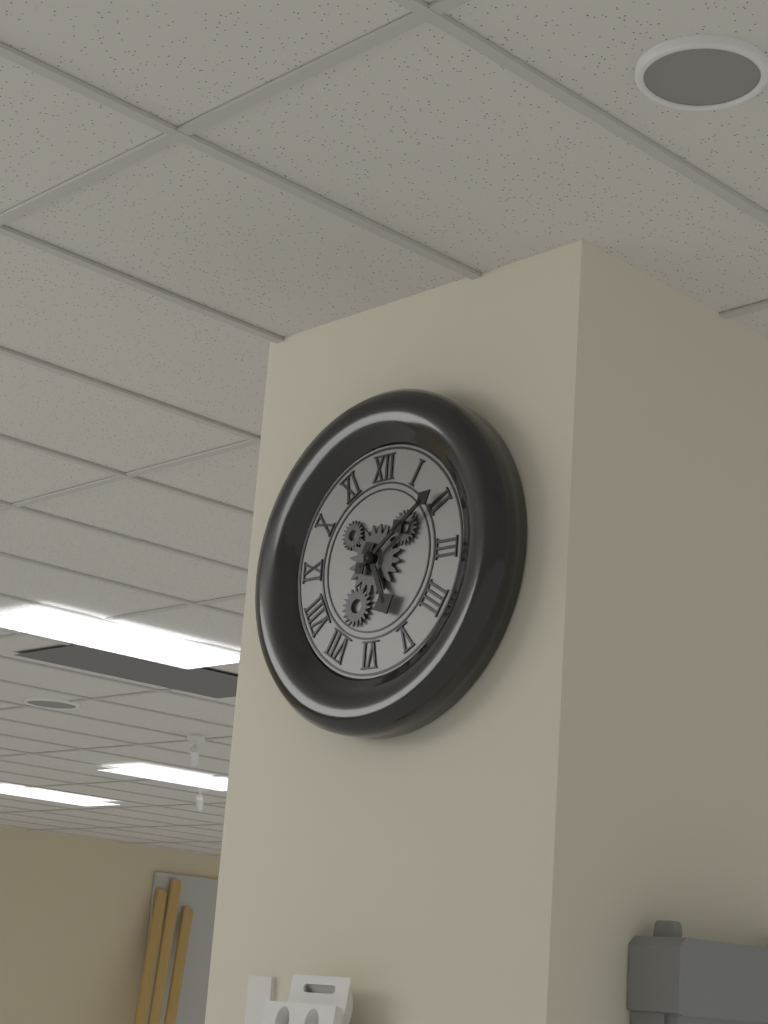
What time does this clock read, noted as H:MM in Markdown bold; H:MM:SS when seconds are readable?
**5:09**
